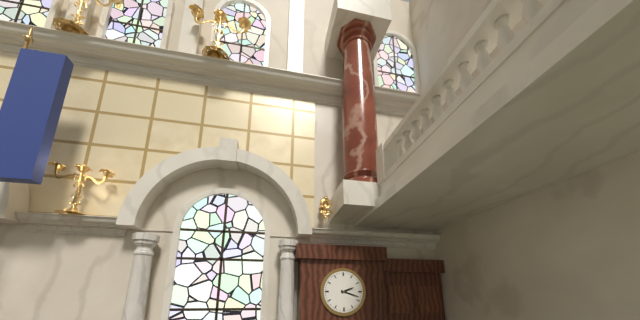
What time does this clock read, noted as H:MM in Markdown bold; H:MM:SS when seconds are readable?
**2:18**
